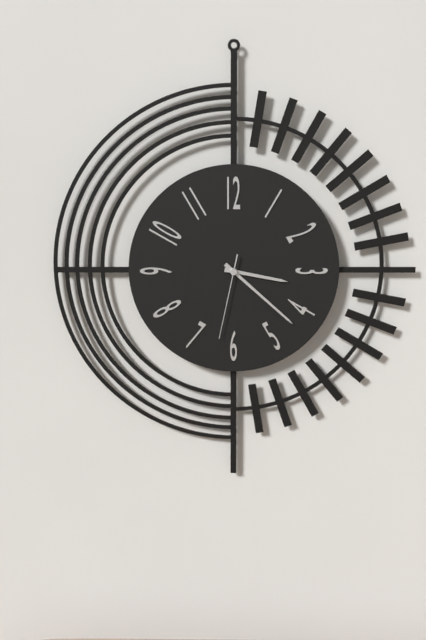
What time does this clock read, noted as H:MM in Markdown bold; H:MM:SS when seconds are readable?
**3:22:32**
